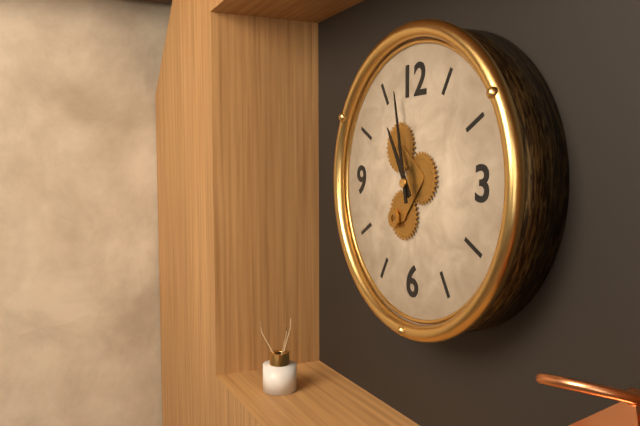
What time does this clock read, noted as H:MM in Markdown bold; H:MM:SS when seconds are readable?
**10:58**
